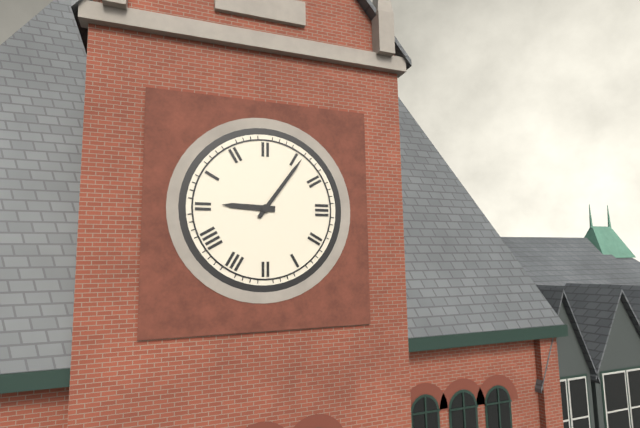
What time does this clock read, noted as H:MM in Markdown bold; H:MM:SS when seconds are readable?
**9:06**
